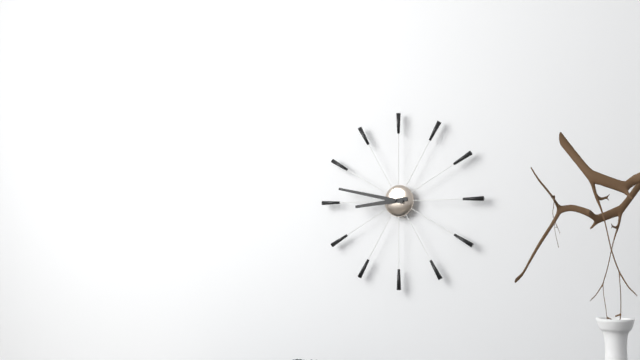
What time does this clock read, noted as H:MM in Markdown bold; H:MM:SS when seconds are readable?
**8:47**
